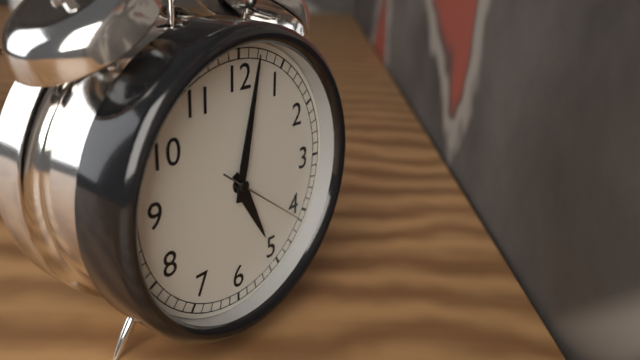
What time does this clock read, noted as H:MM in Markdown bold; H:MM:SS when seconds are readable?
**5:02:21**
